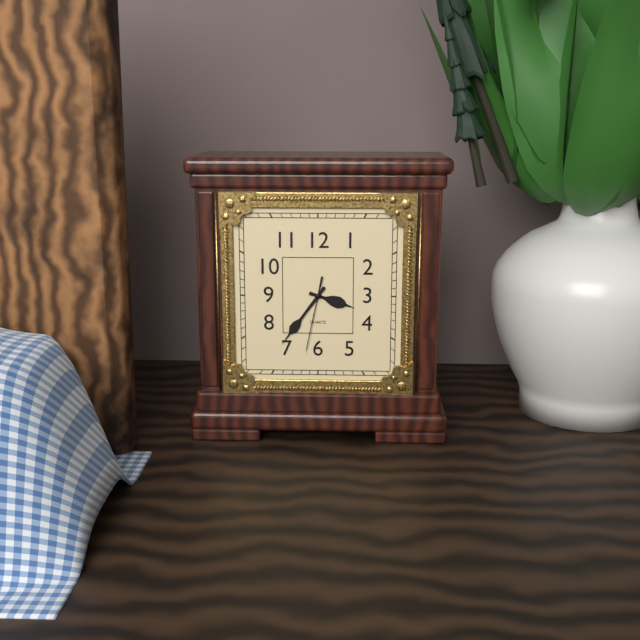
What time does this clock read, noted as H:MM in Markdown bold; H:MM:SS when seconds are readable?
**3:36:32**
